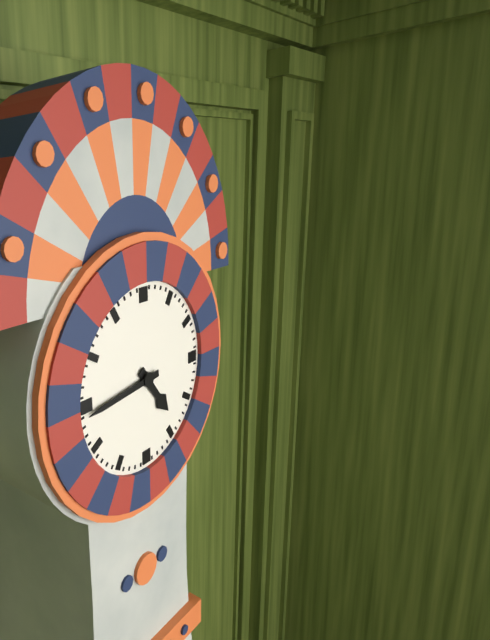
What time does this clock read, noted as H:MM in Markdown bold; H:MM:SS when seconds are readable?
**4:44**
